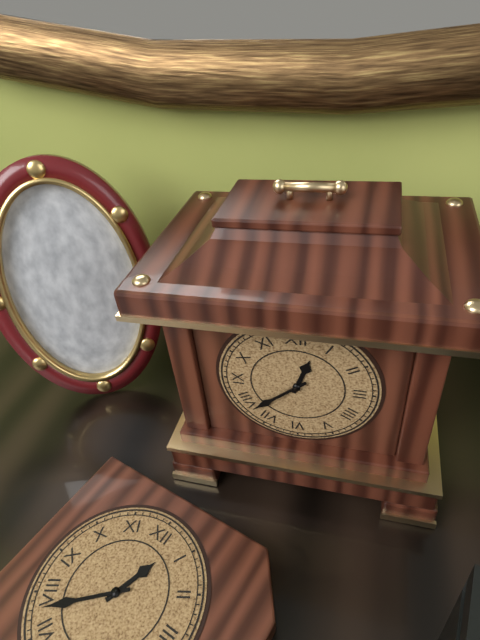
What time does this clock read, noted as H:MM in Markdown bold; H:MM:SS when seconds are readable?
**12:38**
